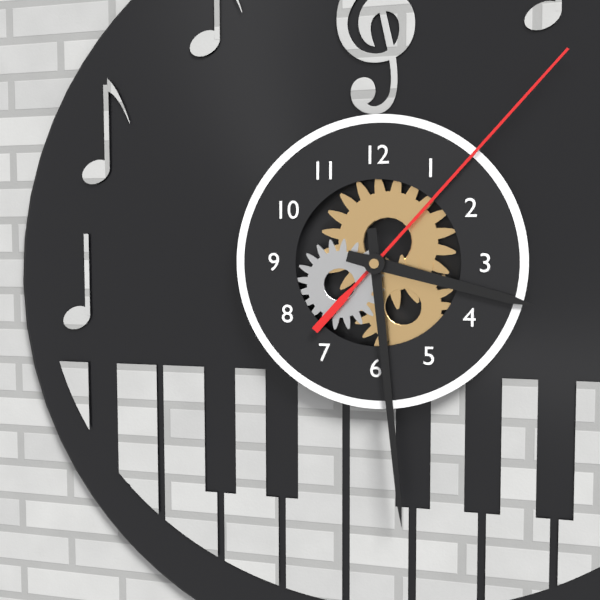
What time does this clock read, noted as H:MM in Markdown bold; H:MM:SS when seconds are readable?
**3:29:07**
